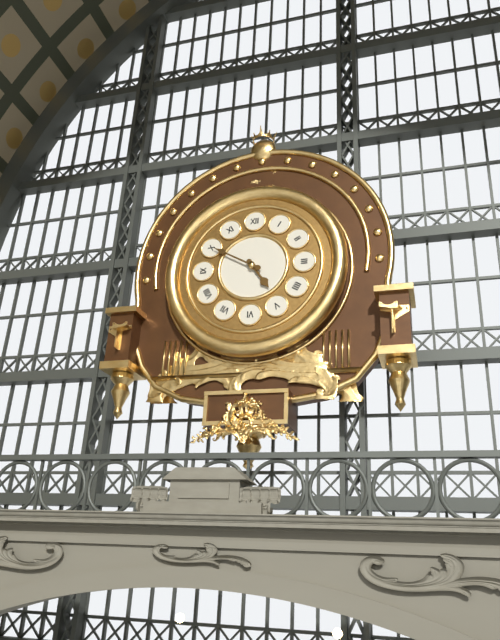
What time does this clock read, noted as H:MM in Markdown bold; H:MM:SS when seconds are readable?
**4:50**
